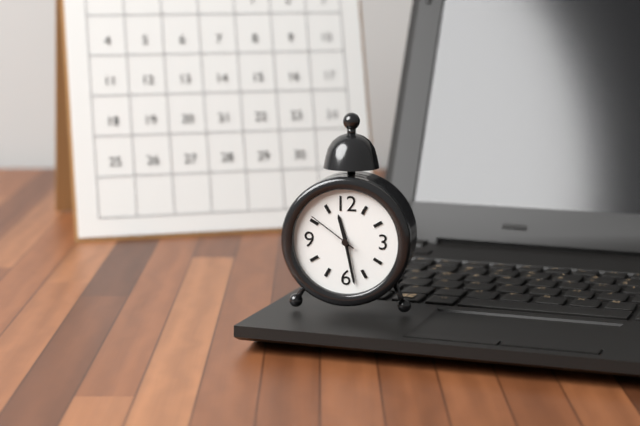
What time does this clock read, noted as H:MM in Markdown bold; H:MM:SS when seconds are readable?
**11:28:51**
